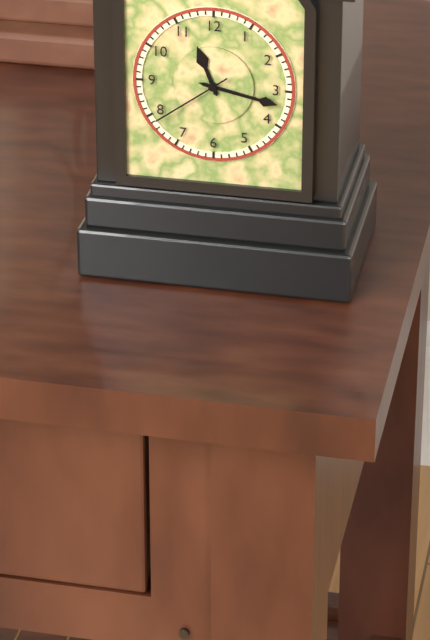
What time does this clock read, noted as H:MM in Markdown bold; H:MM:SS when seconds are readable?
**11:17:39**
